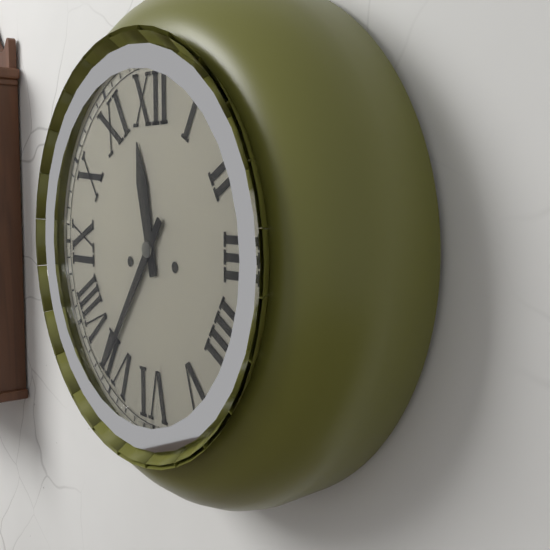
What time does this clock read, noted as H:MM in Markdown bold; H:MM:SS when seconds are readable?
**11:36**
